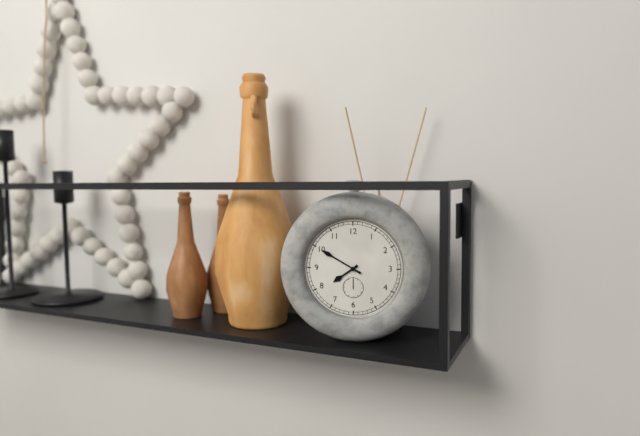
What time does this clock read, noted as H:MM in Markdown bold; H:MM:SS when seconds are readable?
**7:50**
